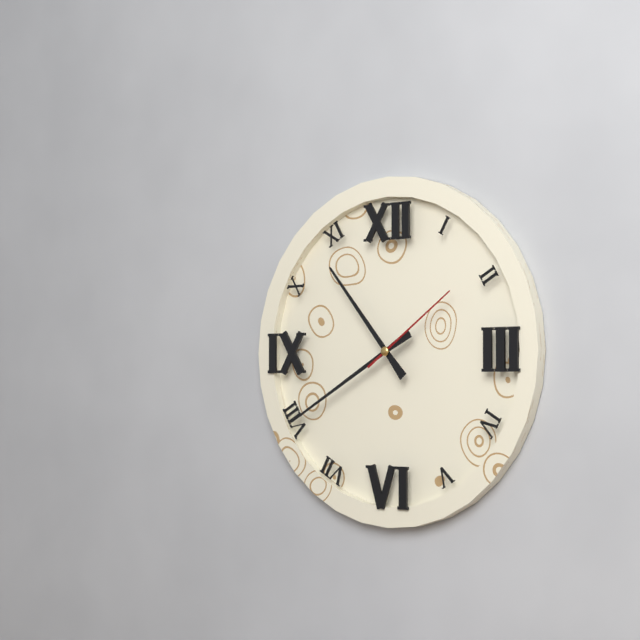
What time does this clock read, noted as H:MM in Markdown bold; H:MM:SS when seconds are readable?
**10:40:09**
